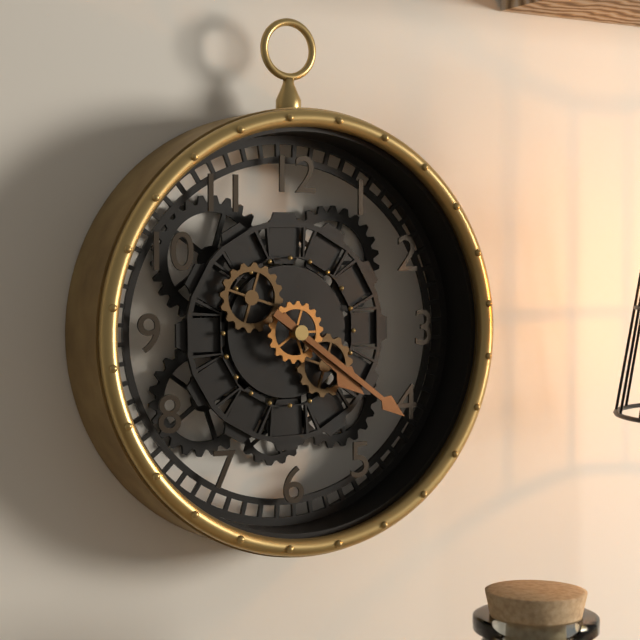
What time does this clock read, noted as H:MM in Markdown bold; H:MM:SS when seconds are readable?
**4:21**
